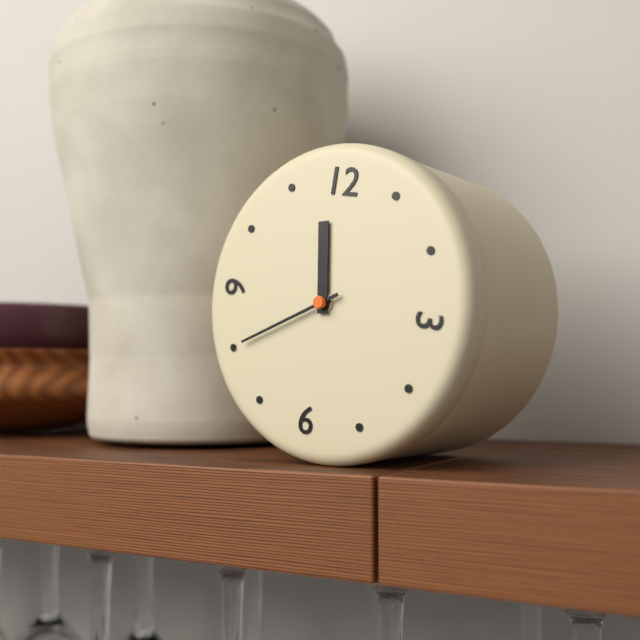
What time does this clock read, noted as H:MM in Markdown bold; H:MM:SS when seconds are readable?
**11:40**
